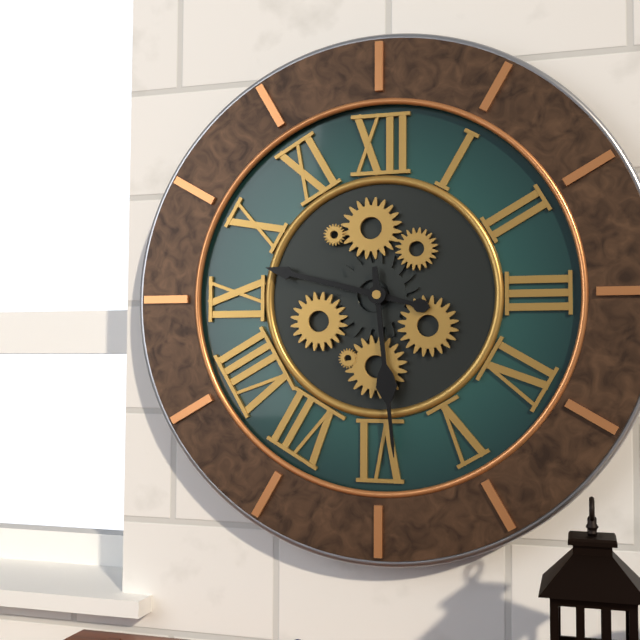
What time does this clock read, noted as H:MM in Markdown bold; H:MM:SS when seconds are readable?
**9:29**
